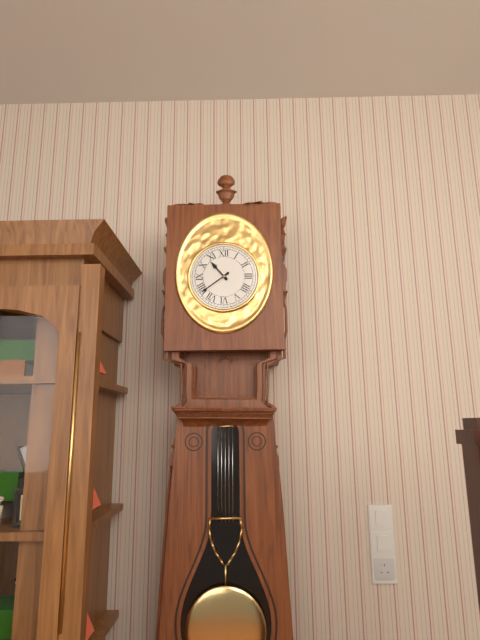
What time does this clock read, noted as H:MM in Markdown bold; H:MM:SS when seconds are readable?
**10:39**
